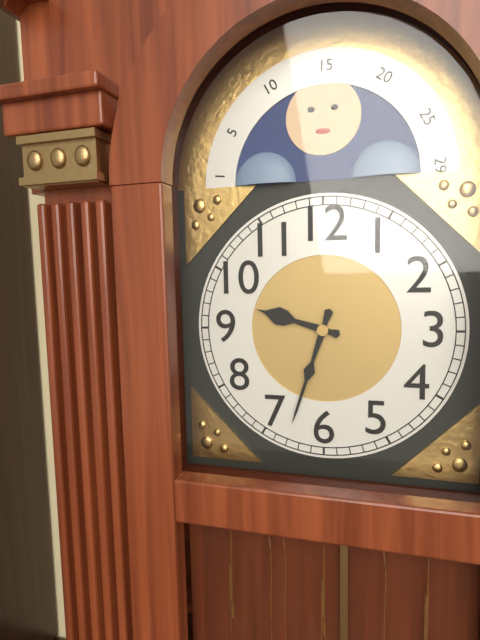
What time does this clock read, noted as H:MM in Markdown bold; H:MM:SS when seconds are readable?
**9:33**
